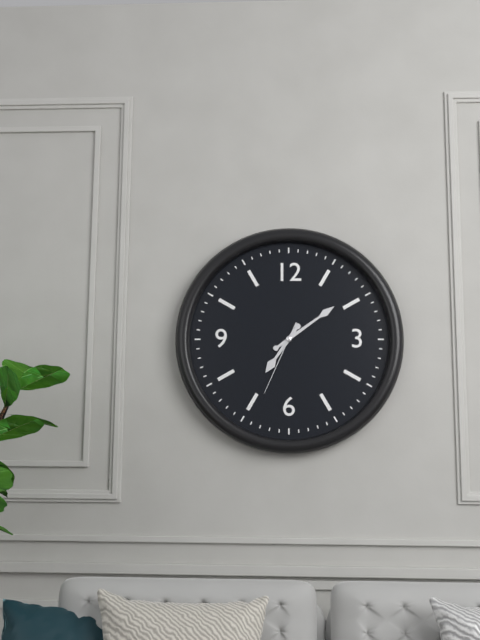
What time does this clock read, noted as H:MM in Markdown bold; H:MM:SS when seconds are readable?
**7:09:34**
